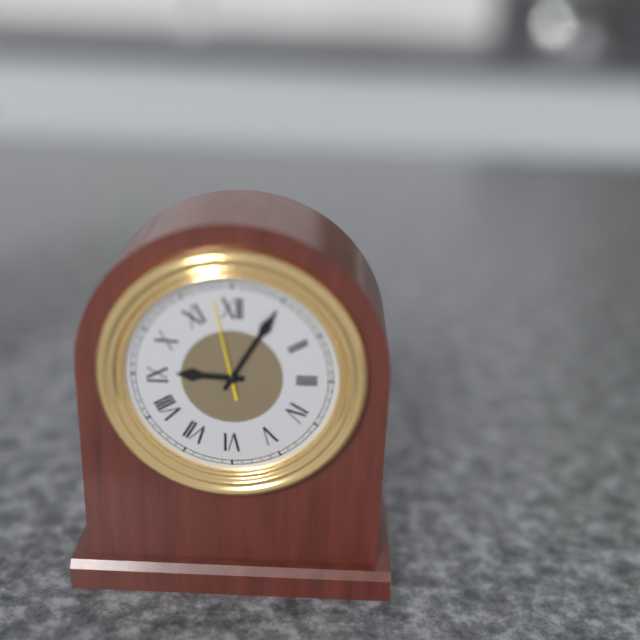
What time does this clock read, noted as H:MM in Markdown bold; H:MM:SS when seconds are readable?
**9:05:58**
